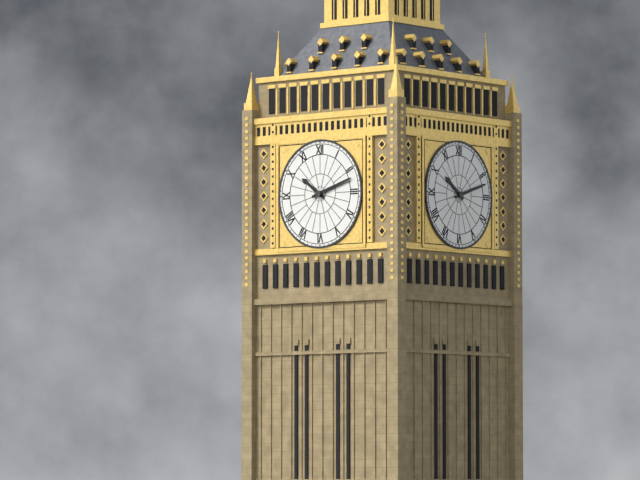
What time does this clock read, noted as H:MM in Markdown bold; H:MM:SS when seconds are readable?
**10:12**
